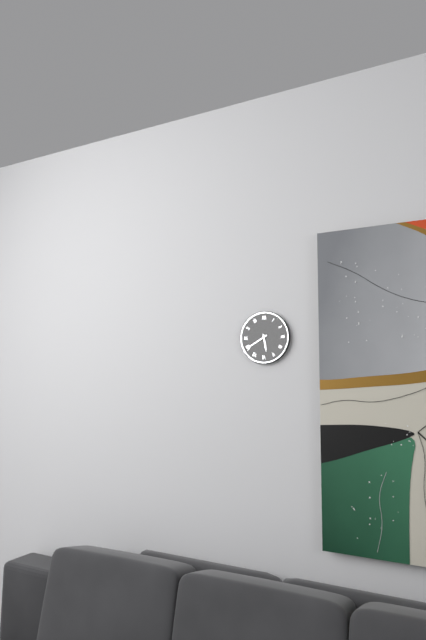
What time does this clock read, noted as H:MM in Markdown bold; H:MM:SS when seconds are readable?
**5:40**
